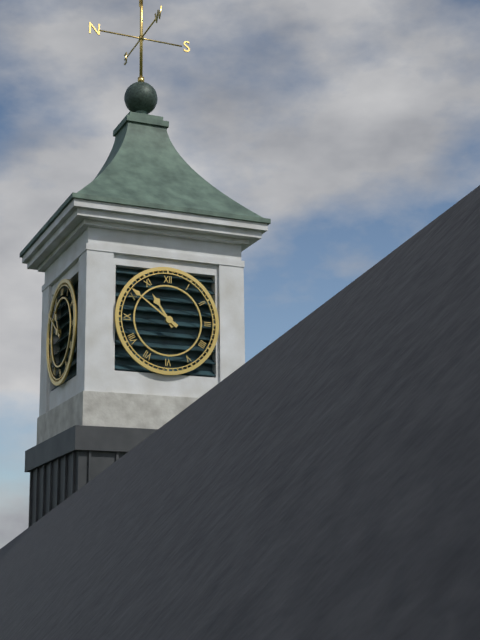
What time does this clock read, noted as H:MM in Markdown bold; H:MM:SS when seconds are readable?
**10:51**
